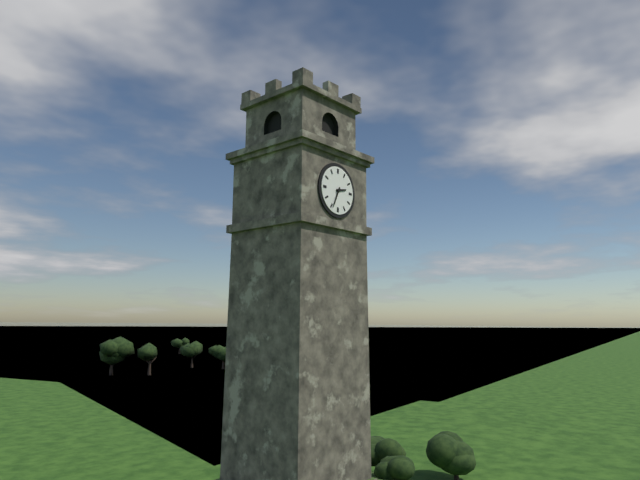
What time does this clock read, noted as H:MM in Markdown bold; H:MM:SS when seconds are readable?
**2:34**
